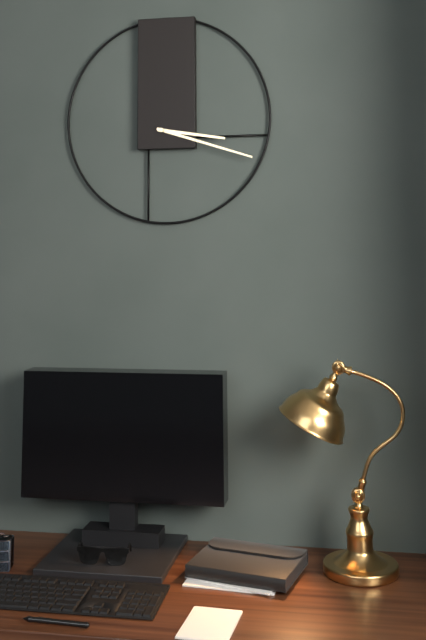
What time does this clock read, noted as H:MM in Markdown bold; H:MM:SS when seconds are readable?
**3:18**
